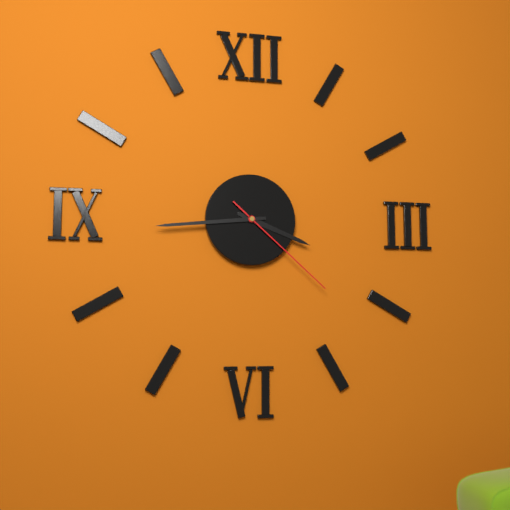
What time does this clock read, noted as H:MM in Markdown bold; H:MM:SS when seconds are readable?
**3:44:22**
